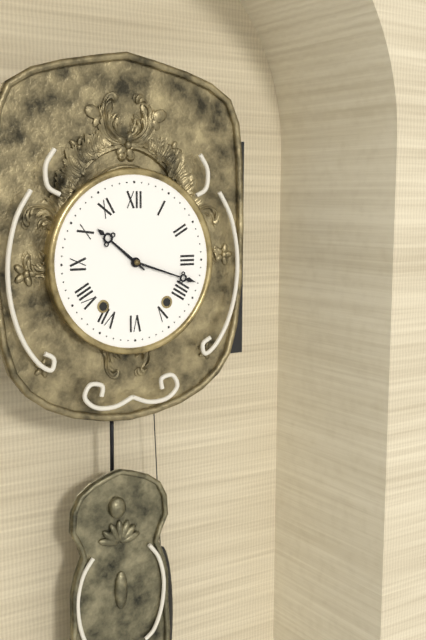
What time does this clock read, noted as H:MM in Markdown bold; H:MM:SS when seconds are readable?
**10:18**
